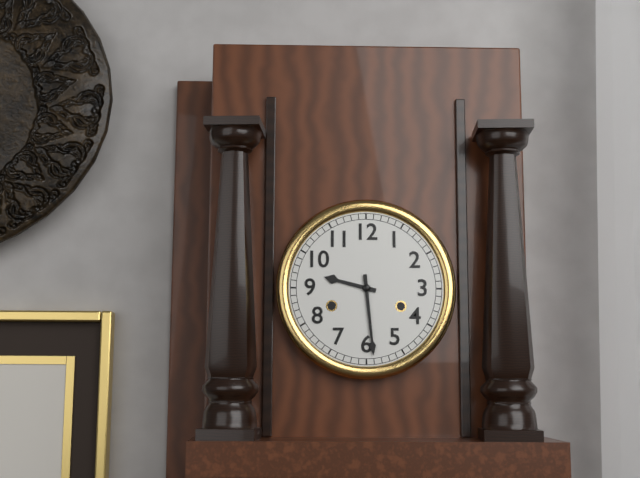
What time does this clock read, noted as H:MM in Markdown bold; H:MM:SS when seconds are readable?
**9:29**
